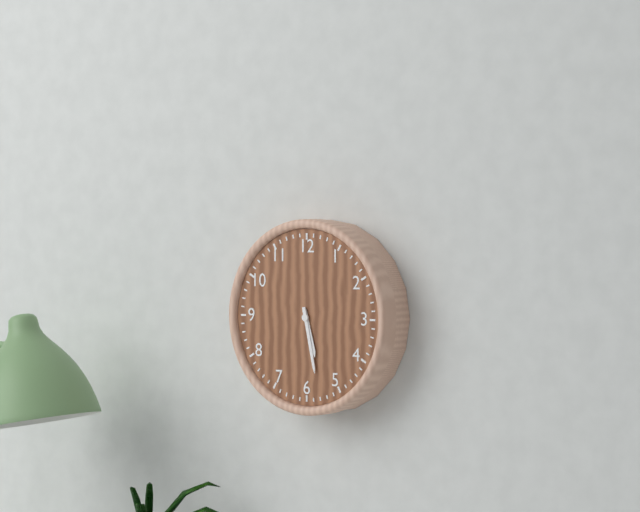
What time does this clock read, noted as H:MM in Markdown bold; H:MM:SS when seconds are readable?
**5:28**
